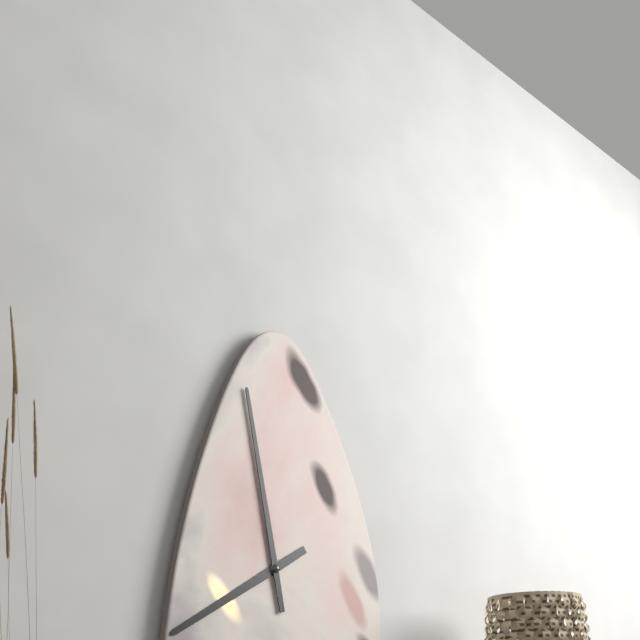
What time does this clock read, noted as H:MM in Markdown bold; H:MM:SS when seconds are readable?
**7:58**
